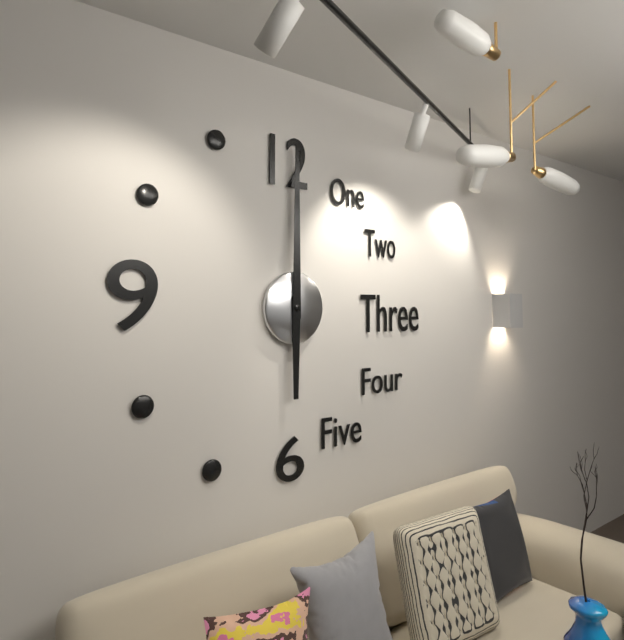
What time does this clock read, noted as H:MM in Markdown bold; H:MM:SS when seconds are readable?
**6:00**
